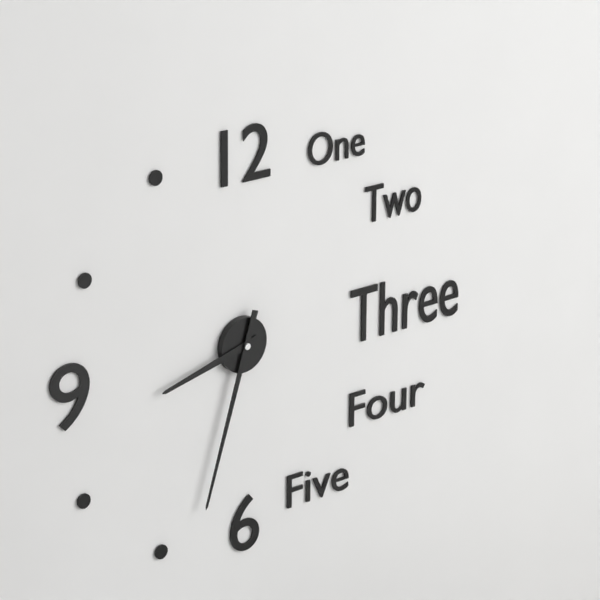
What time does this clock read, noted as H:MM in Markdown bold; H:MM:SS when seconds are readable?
**8:33**
